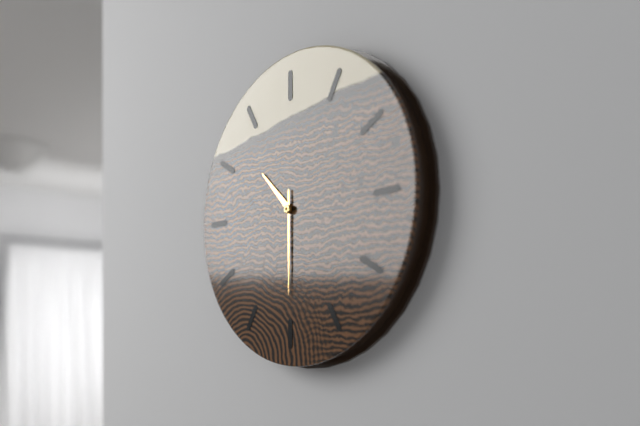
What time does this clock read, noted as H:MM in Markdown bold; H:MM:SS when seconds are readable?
**10:30**
